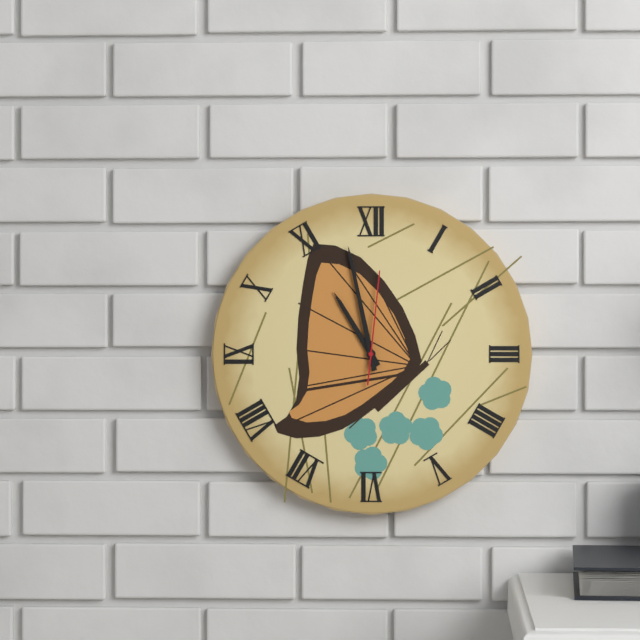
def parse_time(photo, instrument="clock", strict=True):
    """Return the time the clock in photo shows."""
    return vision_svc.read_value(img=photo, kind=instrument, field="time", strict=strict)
10:58:01
